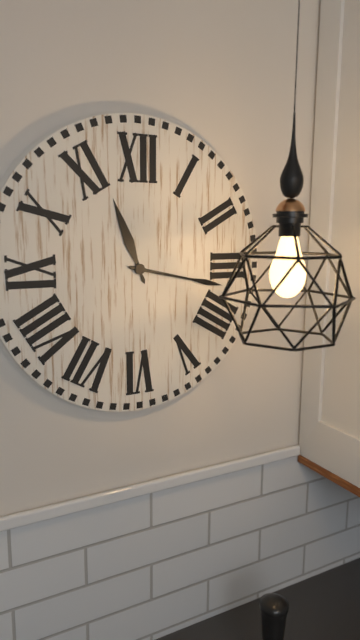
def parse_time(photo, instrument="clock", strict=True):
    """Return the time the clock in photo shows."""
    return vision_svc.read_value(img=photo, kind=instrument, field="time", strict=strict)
11:17
